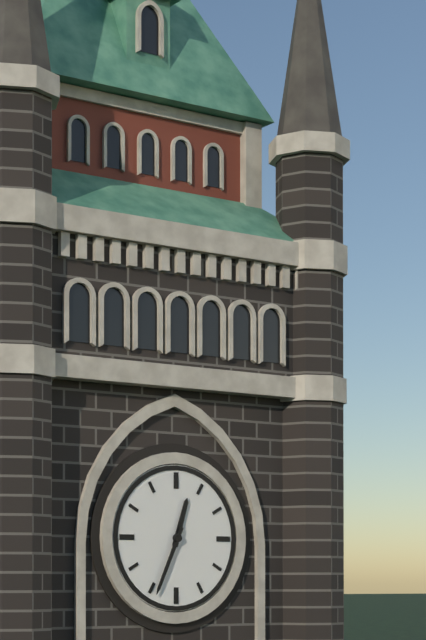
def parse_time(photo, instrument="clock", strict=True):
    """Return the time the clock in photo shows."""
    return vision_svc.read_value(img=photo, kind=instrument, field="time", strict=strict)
12:34
